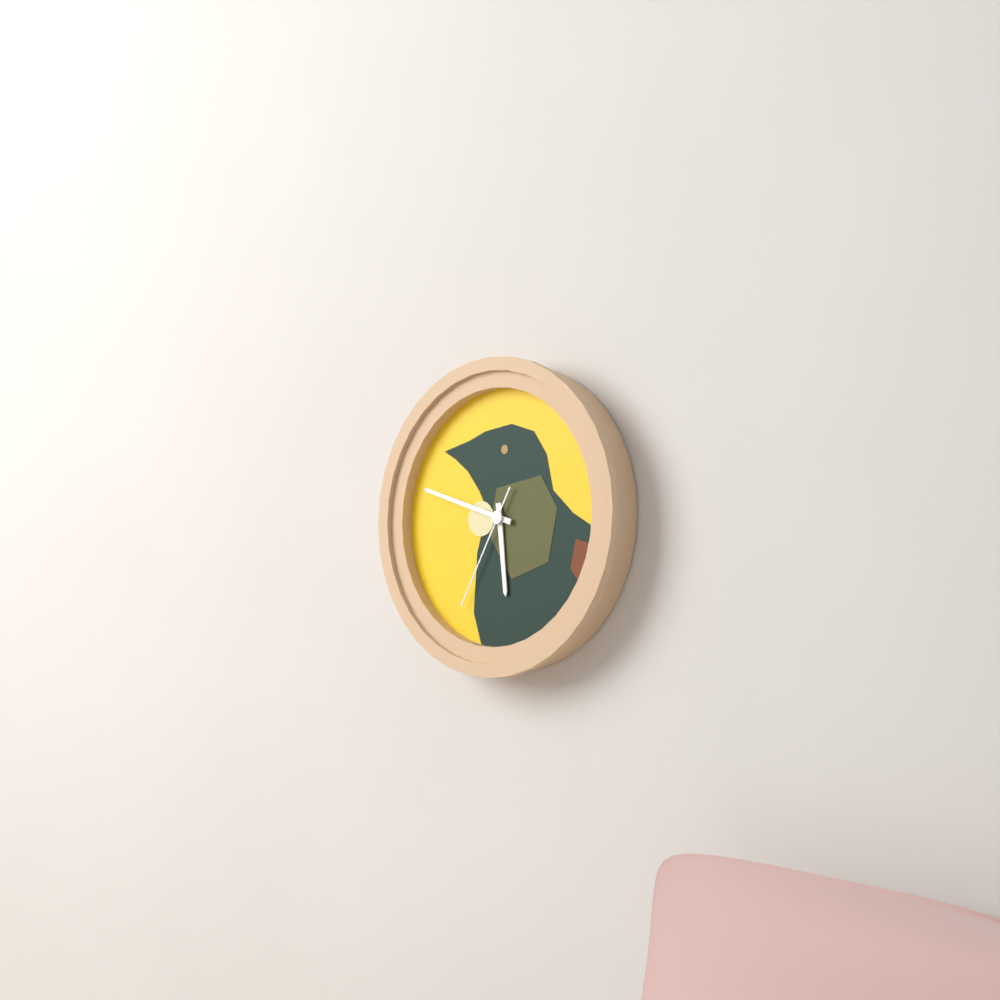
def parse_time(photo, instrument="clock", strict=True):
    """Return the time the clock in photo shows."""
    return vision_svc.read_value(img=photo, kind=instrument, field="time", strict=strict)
5:48:35
